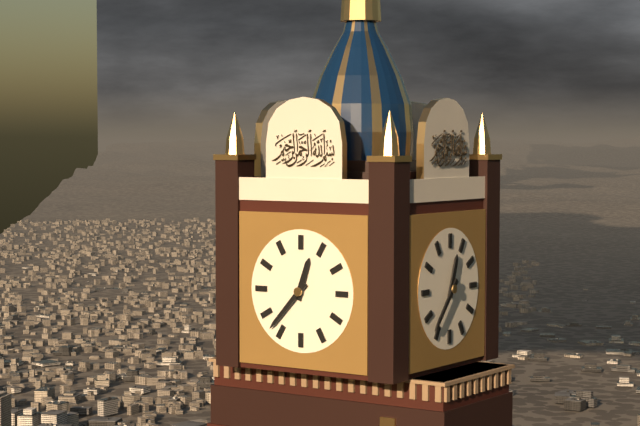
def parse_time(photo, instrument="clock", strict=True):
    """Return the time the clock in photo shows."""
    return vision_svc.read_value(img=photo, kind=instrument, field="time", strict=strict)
12:37
